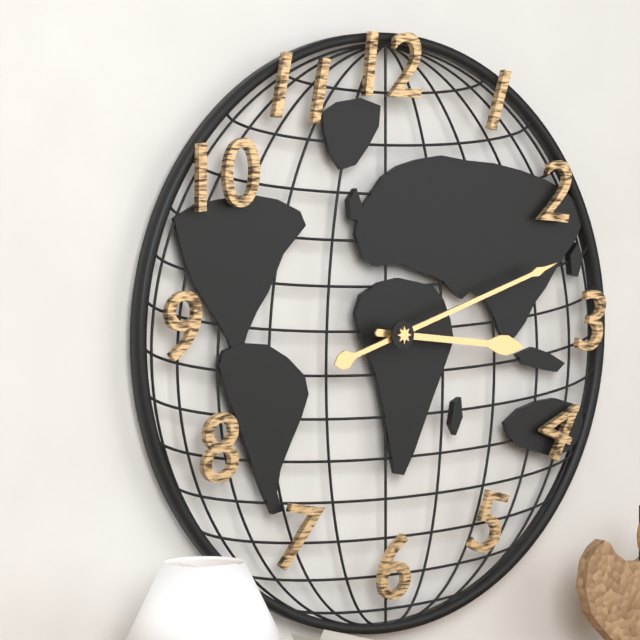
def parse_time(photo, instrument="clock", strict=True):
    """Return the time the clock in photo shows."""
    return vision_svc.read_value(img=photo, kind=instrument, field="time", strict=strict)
3:12
